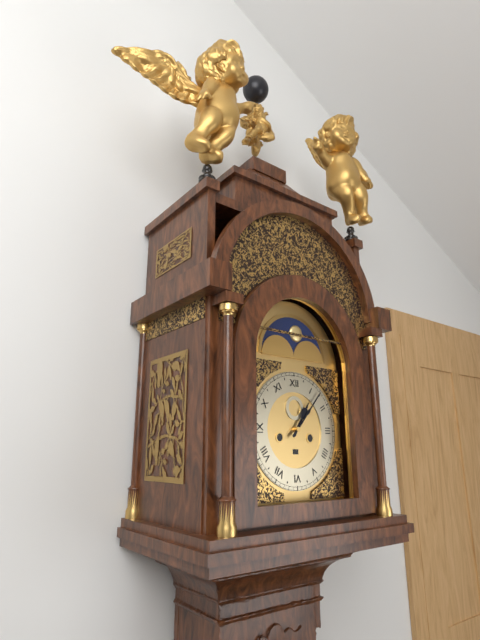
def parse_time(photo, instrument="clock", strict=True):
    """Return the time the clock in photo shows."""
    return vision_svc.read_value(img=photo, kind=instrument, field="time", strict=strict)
1:07
